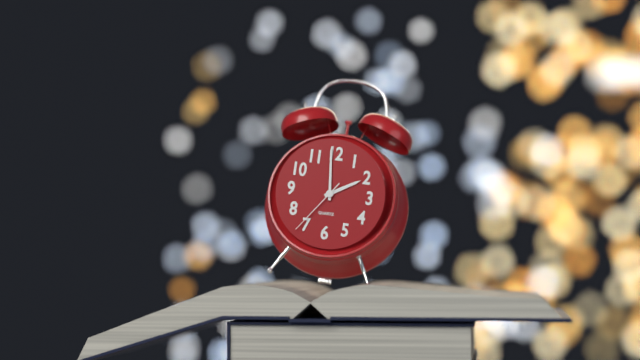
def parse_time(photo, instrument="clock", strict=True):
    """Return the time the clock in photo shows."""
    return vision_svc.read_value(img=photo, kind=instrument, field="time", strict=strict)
1:59:36
